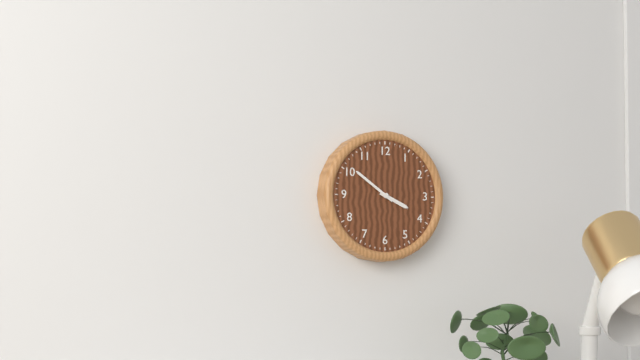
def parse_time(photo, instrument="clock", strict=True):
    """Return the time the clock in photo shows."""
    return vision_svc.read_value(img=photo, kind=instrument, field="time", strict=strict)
3:51
